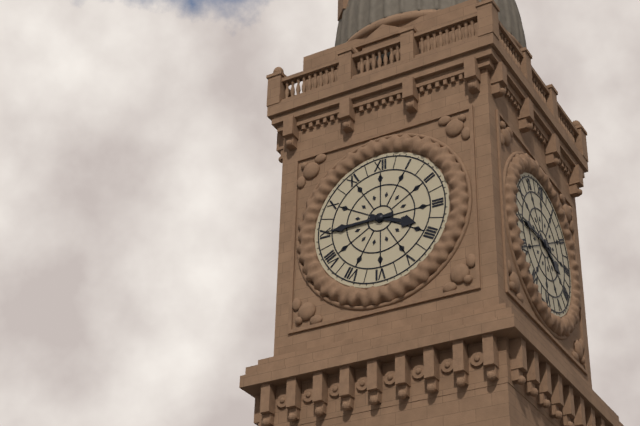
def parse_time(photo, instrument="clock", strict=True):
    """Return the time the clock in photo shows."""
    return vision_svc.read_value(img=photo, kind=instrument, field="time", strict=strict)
3:45
